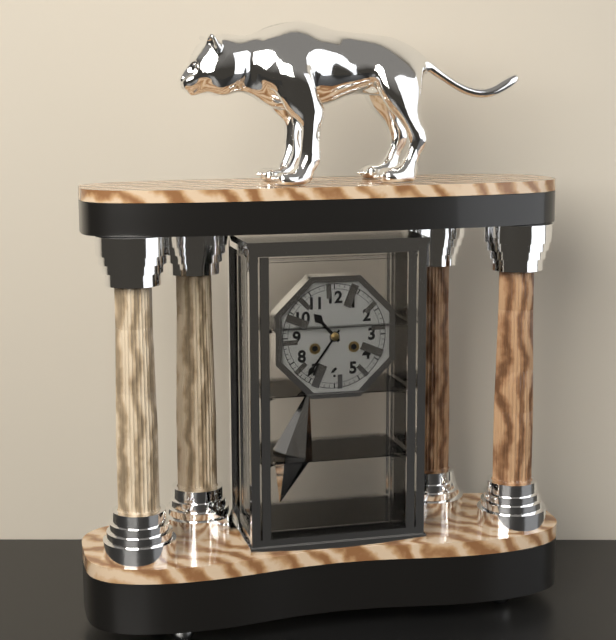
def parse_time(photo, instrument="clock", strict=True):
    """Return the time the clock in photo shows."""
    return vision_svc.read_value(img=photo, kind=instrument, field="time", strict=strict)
10:36
